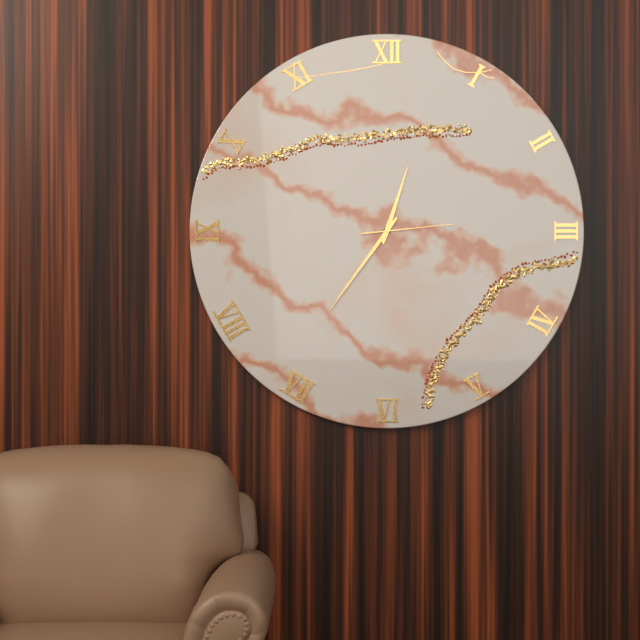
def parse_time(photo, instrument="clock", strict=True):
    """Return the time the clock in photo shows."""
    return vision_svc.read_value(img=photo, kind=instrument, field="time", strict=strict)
12:36:14
